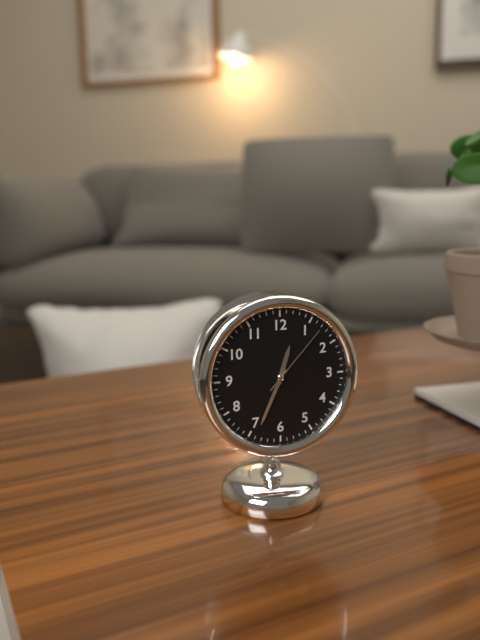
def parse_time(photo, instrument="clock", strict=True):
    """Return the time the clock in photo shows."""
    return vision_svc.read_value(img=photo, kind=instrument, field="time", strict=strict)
12:34:07
